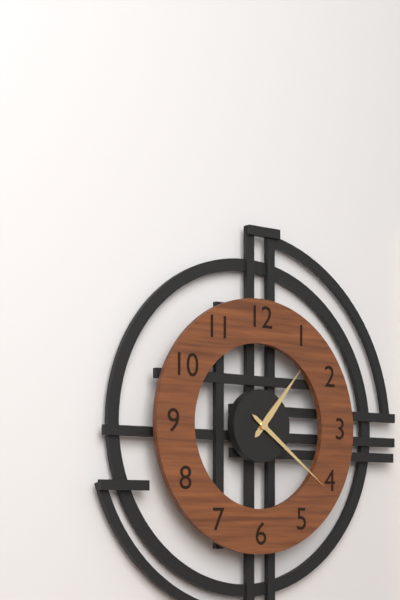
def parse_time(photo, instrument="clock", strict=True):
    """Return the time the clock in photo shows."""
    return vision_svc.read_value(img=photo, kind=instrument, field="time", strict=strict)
1:21
